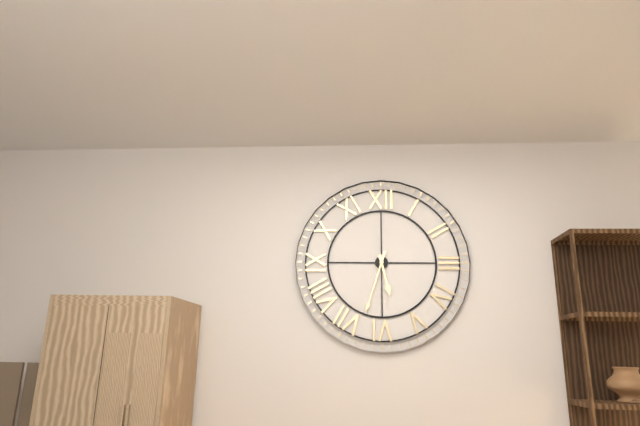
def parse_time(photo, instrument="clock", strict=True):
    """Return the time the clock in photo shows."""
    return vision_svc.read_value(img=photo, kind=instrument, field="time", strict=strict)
5:33
